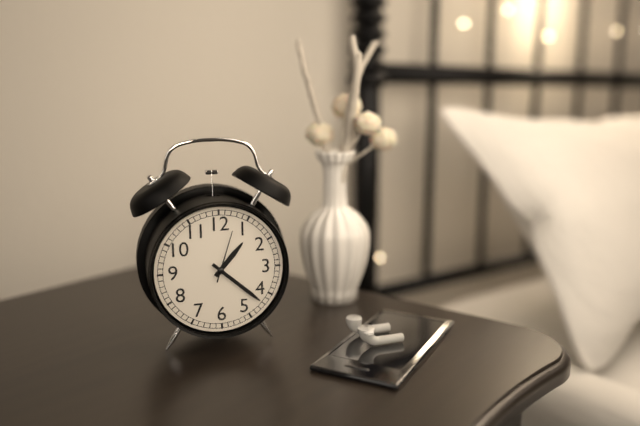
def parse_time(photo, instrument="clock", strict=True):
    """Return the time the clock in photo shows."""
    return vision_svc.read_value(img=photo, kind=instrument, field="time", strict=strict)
1:22:03
